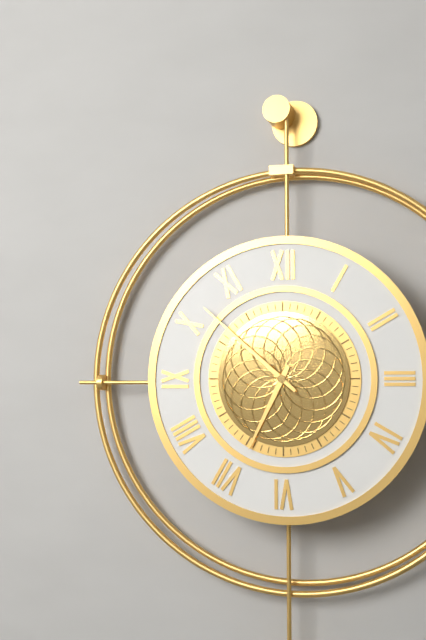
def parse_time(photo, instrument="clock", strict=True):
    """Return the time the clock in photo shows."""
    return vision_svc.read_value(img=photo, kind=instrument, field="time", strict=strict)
6:52
